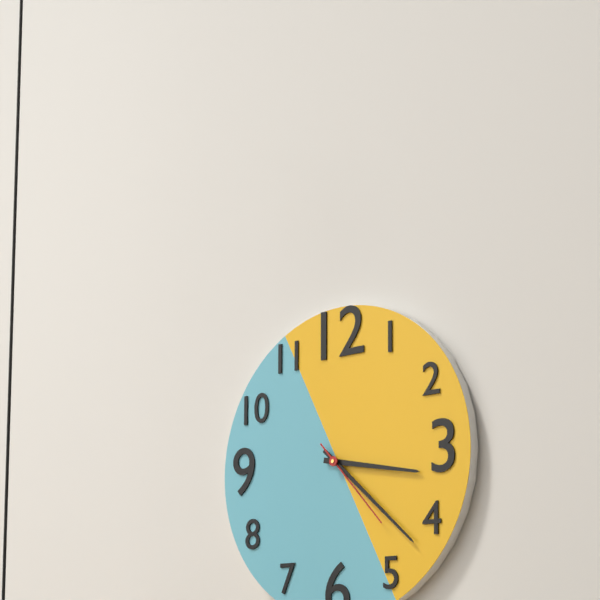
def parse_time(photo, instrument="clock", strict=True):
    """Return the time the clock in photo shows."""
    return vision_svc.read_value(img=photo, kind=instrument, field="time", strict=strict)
3:22:23
